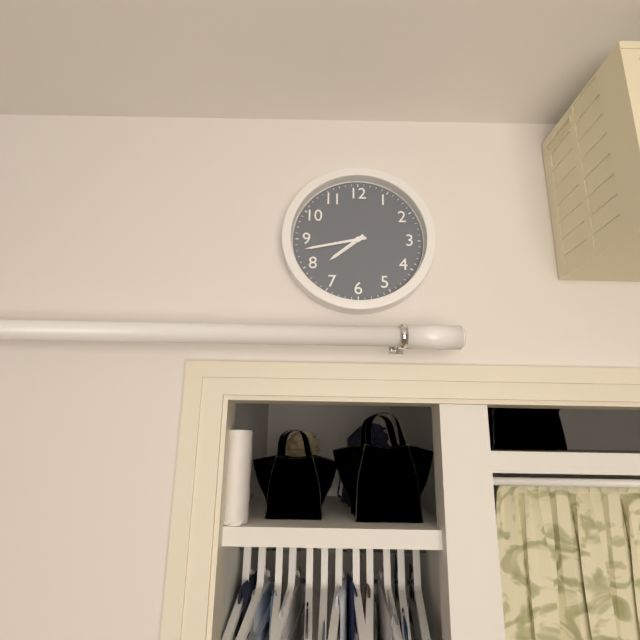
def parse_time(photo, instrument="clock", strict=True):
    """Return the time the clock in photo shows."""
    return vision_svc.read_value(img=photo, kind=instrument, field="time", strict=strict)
7:43
